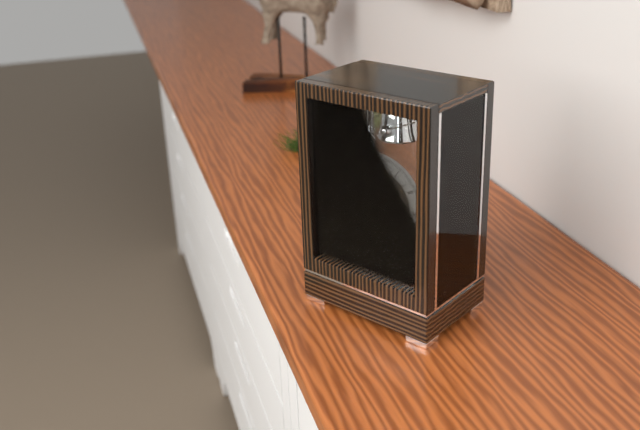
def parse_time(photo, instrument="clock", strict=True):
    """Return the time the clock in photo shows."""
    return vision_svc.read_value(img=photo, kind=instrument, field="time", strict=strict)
4:08
